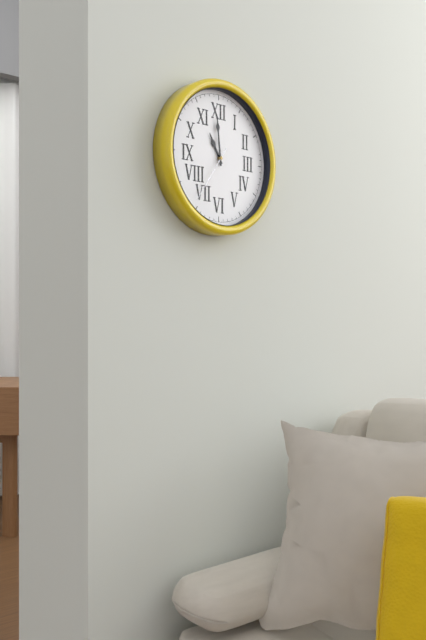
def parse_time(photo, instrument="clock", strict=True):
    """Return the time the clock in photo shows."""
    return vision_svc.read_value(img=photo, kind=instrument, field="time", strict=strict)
10:59:36
